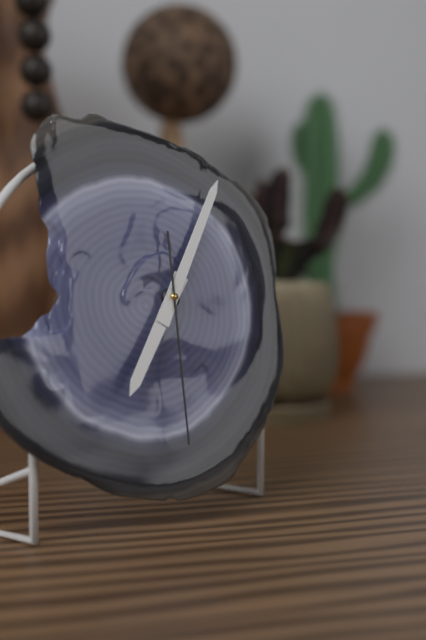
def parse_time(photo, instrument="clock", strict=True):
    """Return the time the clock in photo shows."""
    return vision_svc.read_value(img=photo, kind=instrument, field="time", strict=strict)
7:05:30
